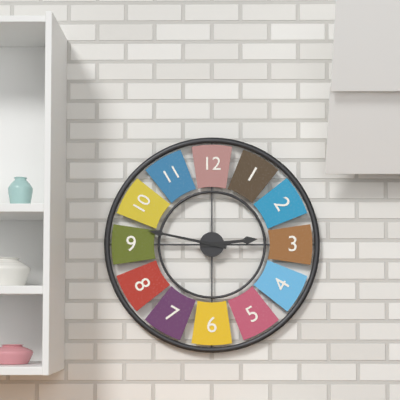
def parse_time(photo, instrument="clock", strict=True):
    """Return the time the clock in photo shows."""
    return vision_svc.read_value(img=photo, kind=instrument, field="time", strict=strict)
2:47
